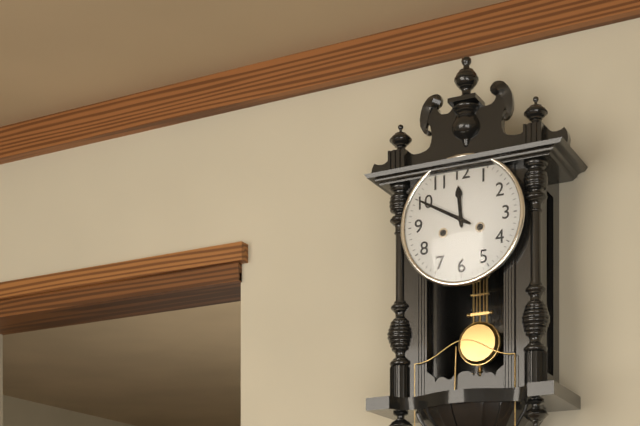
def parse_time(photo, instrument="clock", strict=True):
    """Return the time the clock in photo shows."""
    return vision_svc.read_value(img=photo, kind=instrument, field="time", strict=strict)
11:50
